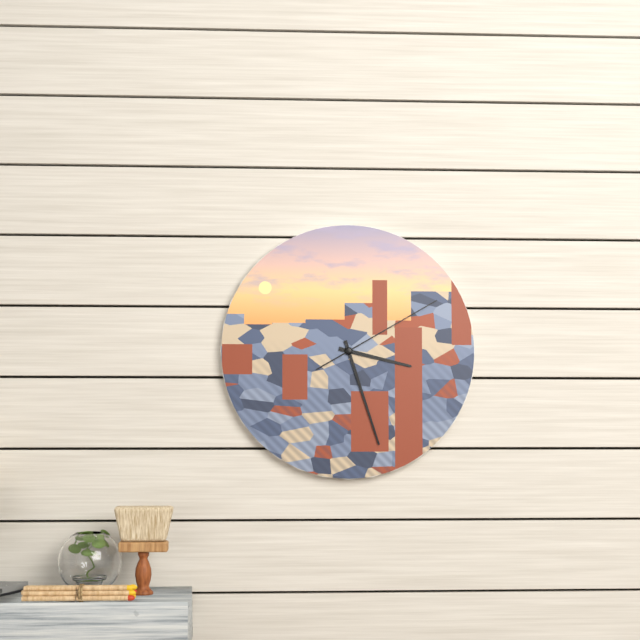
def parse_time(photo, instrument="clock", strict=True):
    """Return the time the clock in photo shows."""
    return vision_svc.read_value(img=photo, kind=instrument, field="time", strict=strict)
3:27:10
